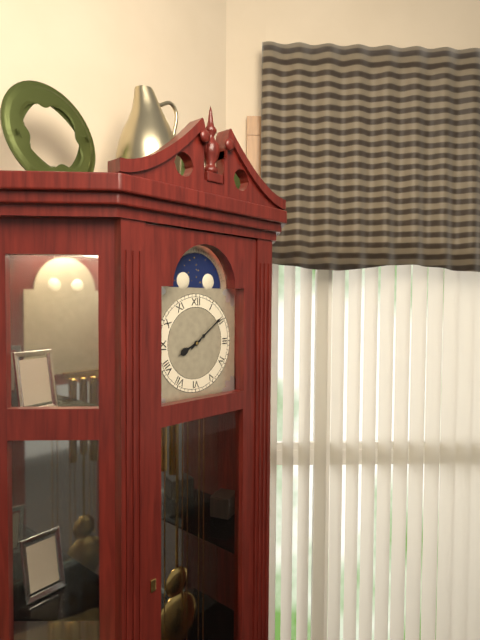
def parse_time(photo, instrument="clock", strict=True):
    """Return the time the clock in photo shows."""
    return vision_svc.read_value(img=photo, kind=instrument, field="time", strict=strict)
8:09
